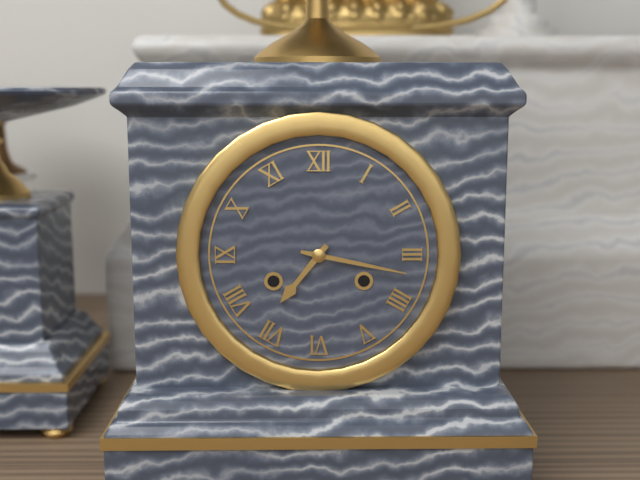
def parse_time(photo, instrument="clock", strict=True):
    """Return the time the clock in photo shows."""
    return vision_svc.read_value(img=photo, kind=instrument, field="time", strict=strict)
7:17
